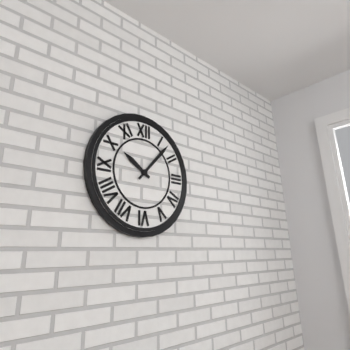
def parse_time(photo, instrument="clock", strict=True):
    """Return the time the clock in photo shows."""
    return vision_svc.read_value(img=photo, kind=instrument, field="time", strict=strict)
10:07
